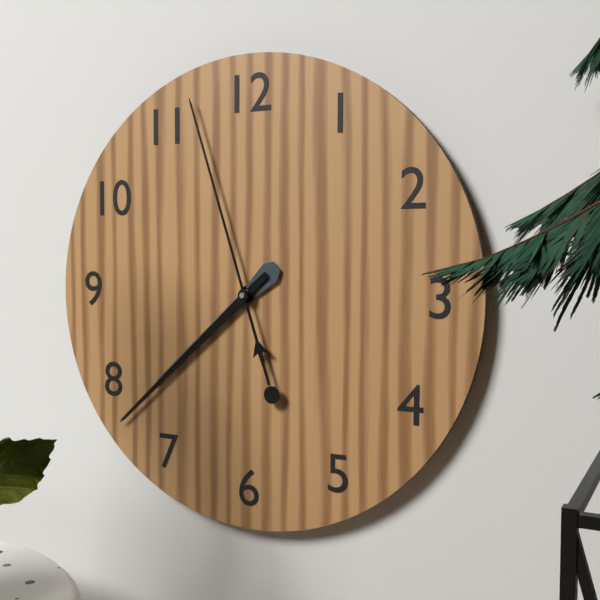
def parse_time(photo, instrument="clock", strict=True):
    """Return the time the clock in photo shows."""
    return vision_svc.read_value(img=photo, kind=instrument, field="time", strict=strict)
7:38:57
